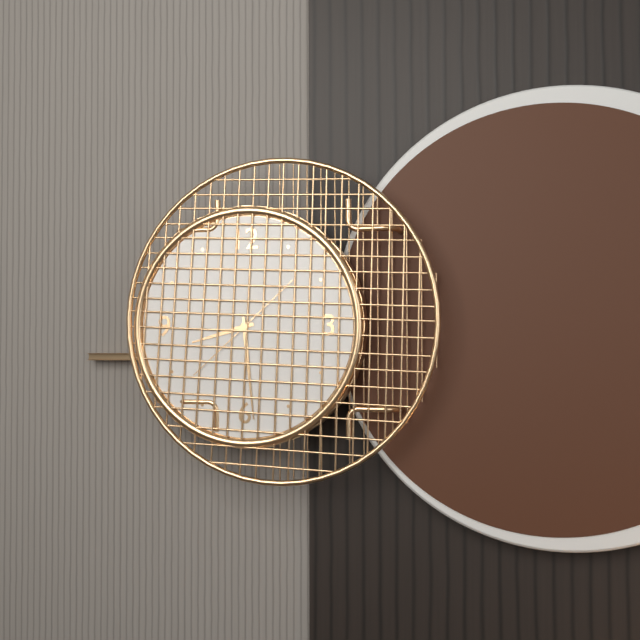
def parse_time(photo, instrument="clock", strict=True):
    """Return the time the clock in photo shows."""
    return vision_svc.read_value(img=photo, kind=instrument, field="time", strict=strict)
8:29:38
